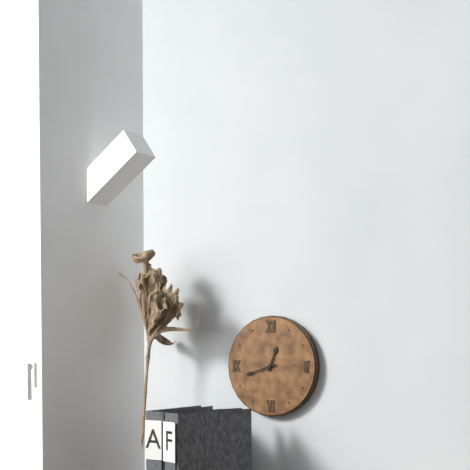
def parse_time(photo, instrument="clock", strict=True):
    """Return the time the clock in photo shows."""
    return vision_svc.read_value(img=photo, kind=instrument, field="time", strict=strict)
12:42
